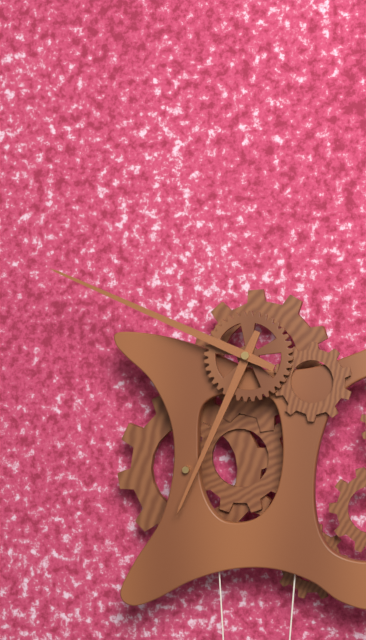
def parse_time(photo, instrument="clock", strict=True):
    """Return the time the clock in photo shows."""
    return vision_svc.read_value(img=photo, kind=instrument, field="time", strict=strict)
6:49
